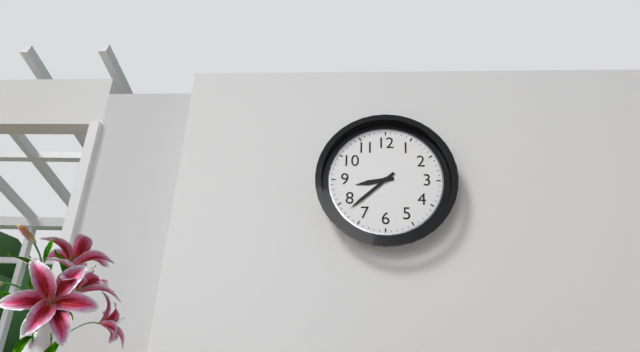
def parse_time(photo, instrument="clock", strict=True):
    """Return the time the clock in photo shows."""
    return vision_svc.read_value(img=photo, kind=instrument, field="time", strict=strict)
8:38
